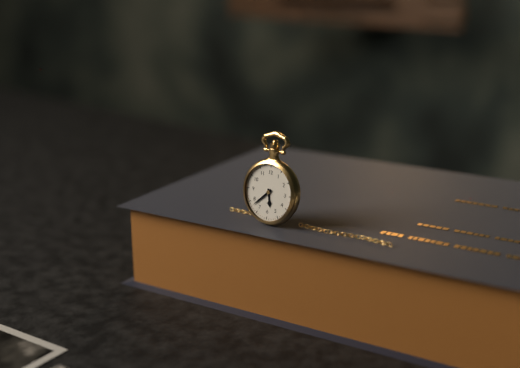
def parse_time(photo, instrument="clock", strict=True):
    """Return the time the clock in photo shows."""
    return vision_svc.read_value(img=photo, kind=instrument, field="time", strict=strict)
5:38
